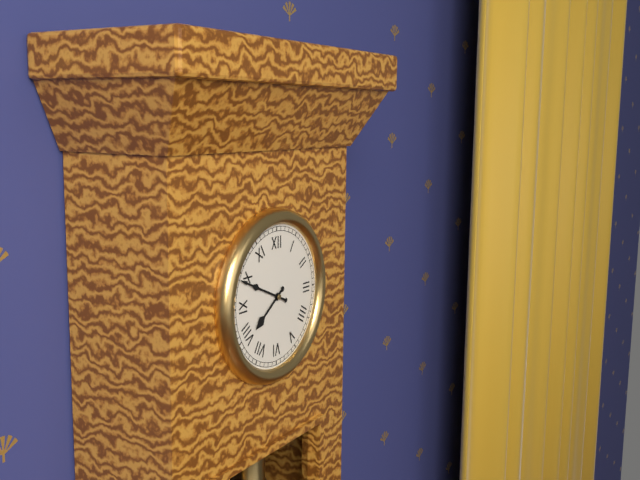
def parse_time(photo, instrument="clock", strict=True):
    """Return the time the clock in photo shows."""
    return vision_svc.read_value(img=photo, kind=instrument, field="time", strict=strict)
7:49
